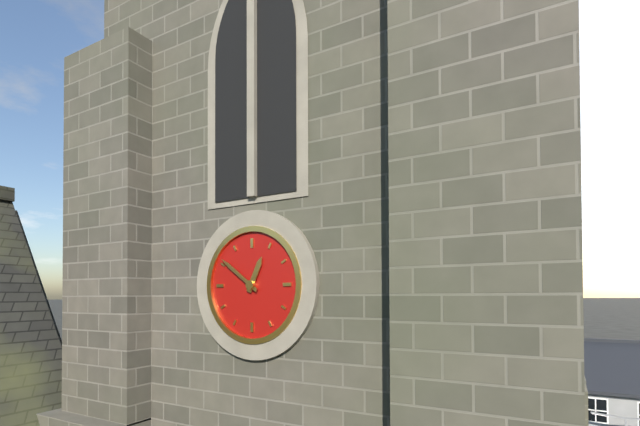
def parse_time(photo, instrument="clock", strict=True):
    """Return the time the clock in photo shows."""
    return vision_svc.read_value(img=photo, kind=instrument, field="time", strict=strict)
12:51
